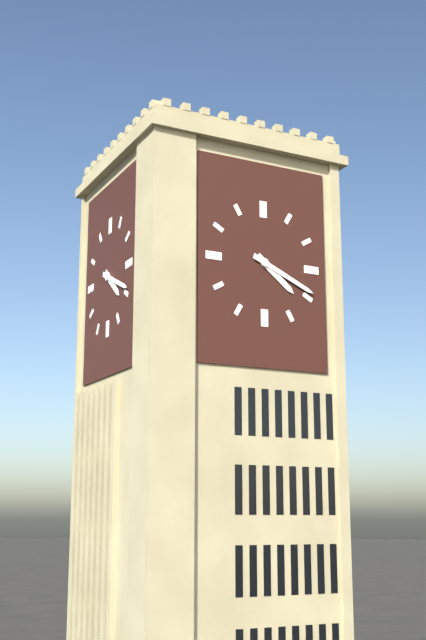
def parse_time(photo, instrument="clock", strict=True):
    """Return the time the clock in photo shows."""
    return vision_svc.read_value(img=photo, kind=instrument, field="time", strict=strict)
4:19
